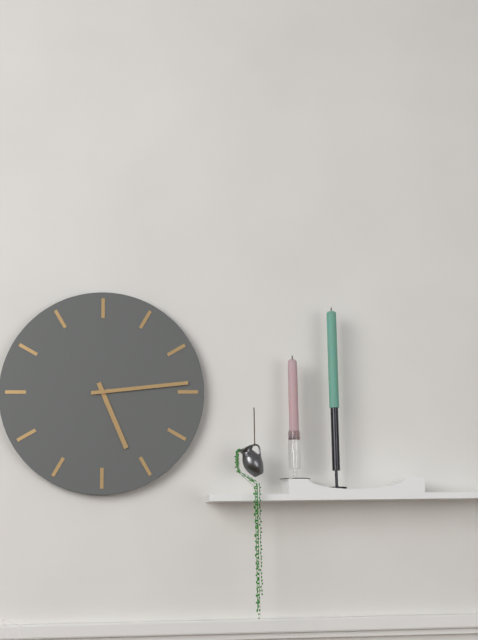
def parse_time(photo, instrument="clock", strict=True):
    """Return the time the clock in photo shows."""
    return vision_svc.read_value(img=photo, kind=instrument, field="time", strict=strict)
5:14
